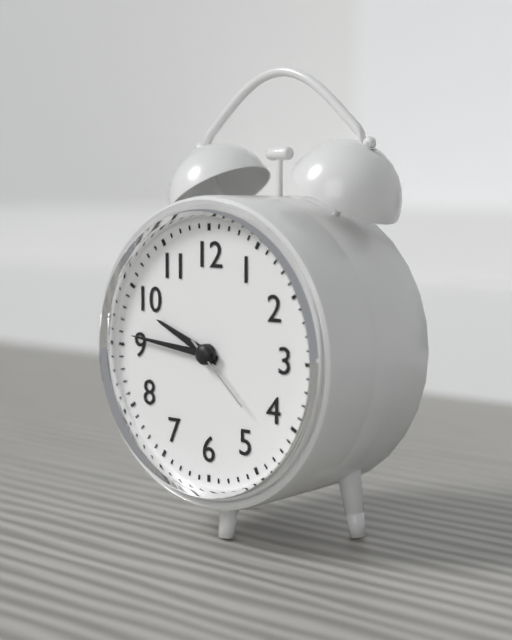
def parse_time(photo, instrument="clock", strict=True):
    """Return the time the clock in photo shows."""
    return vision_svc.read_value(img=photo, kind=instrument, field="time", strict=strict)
9:46:22
